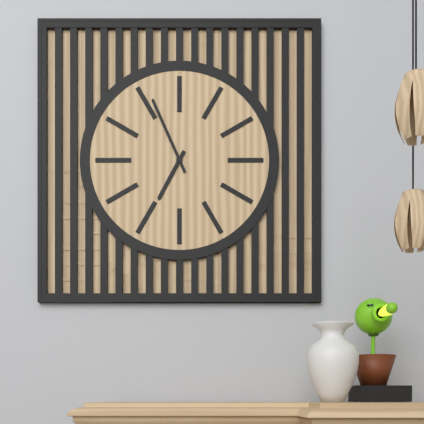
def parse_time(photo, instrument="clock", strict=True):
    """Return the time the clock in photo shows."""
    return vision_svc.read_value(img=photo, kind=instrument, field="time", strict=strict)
6:56
